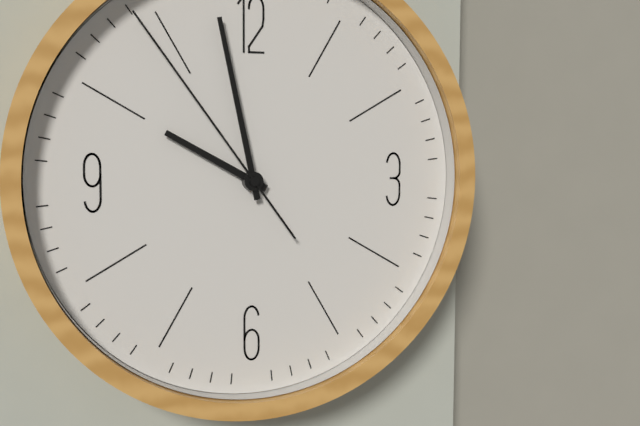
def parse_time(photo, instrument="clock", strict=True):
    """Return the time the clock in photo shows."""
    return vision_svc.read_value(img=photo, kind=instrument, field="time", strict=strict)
9:58:54
